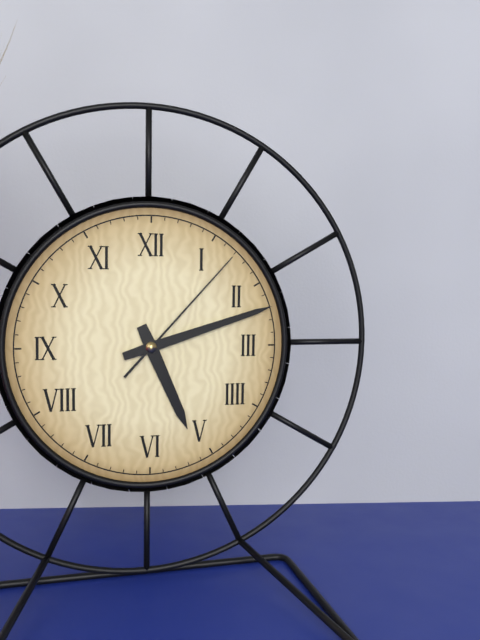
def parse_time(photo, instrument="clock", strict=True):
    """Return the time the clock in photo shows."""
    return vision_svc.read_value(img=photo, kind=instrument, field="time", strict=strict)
5:12:07
